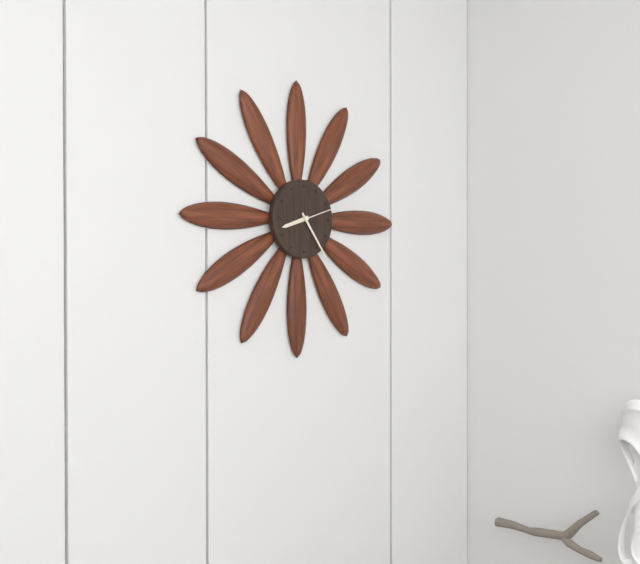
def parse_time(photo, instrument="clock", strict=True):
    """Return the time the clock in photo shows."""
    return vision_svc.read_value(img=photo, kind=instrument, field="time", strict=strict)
8:24:12
